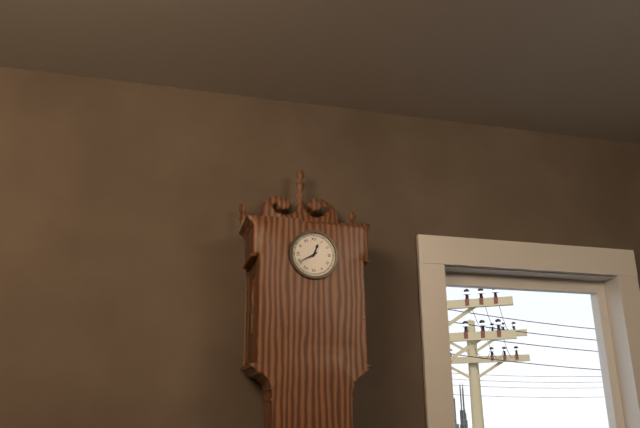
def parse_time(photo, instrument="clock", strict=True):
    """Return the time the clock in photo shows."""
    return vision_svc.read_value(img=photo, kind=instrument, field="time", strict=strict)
12:40
